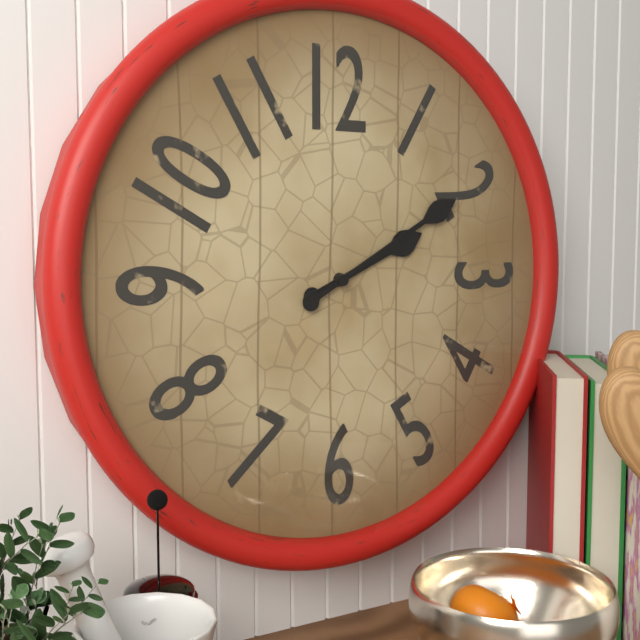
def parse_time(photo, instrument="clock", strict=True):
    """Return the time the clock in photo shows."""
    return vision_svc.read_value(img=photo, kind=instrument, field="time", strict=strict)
2:10
